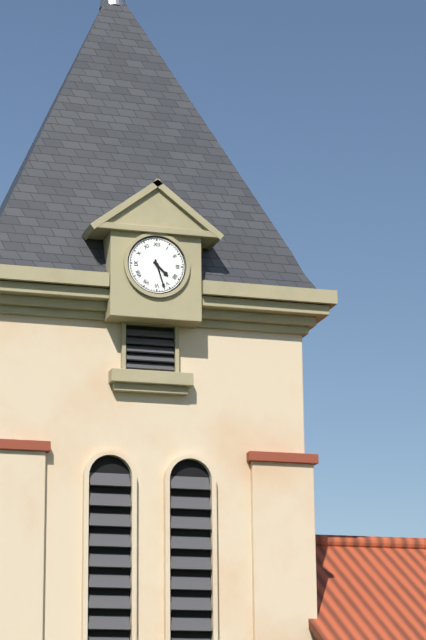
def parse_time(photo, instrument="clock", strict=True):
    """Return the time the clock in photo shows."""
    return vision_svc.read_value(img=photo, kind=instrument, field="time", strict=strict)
4:27
